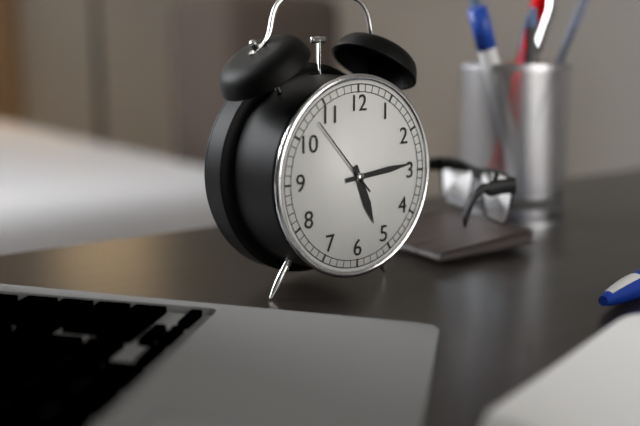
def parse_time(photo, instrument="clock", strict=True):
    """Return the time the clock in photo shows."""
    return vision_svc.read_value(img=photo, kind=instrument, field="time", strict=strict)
5:14:53
